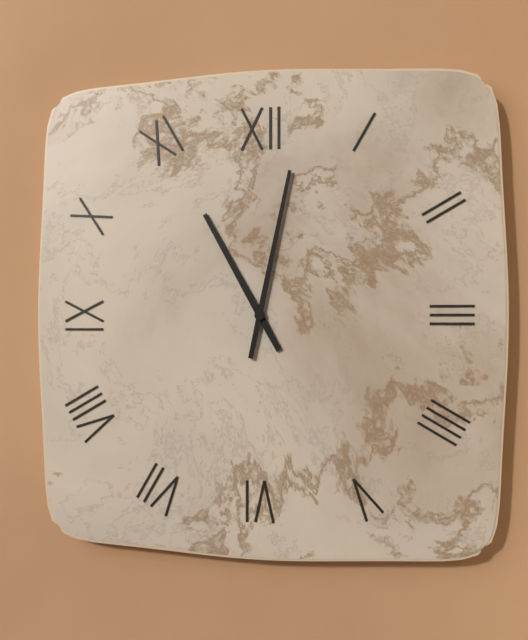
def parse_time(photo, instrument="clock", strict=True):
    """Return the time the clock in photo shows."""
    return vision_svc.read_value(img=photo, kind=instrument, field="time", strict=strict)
11:02
